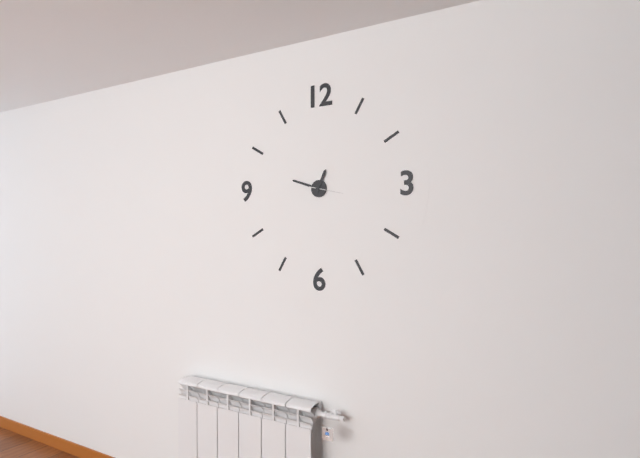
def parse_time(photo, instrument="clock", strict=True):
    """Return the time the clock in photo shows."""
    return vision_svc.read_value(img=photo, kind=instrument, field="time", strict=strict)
12:48
